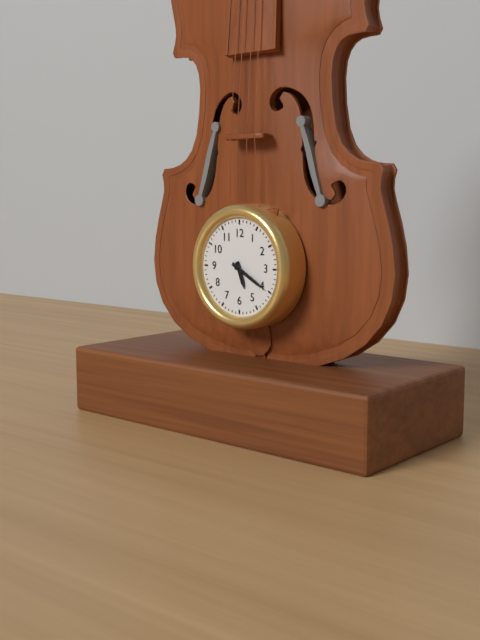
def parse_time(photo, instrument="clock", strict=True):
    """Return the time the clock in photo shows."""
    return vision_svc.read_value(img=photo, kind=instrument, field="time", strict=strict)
5:20
